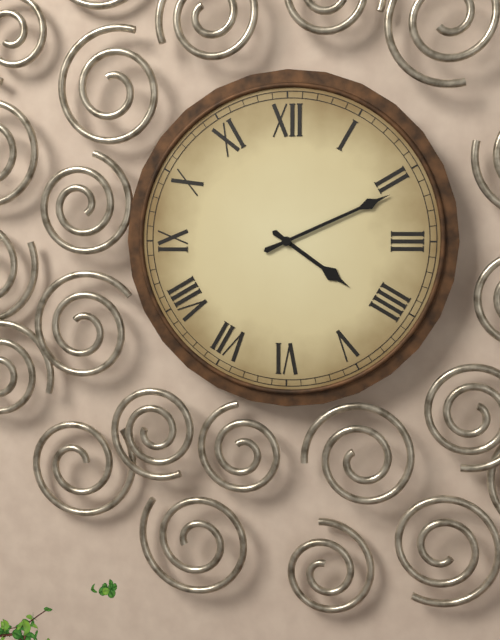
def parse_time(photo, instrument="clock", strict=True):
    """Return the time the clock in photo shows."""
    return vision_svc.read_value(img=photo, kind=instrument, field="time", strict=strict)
4:11
